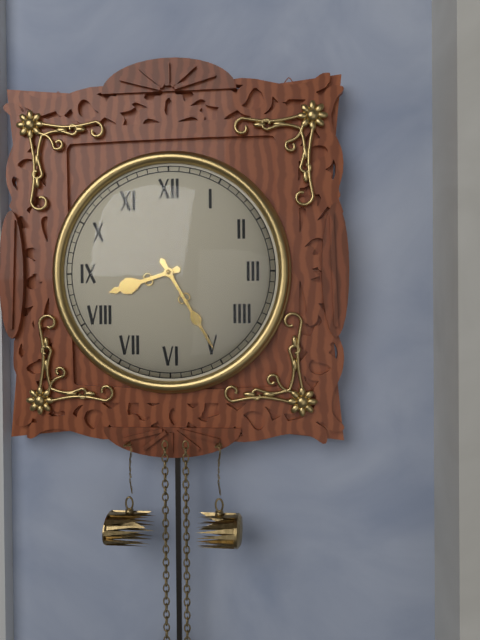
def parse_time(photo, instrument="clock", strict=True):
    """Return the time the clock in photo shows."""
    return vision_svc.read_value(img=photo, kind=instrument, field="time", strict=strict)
8:25
